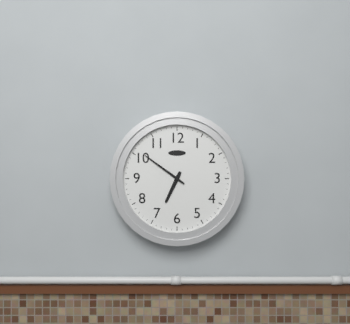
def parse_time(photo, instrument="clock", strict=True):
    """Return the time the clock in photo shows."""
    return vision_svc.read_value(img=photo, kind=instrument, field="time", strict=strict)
6:51
